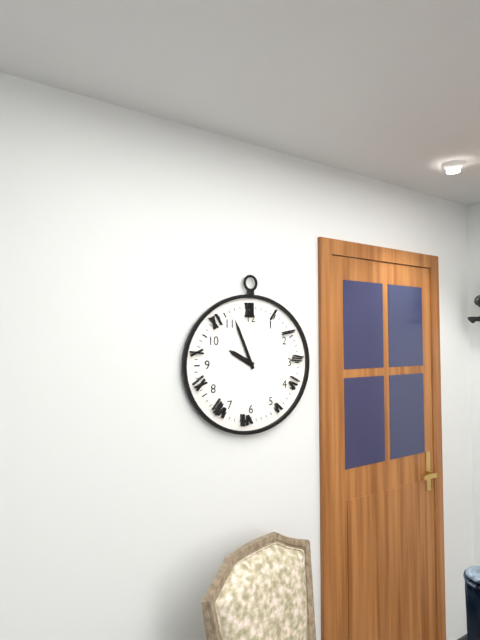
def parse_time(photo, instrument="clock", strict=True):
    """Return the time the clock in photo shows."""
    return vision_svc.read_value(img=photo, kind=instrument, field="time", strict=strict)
9:56
